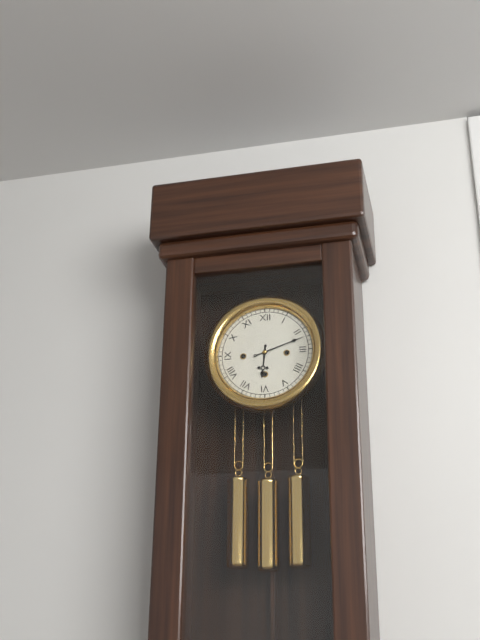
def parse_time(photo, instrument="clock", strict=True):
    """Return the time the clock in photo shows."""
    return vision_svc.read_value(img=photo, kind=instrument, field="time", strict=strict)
6:12
